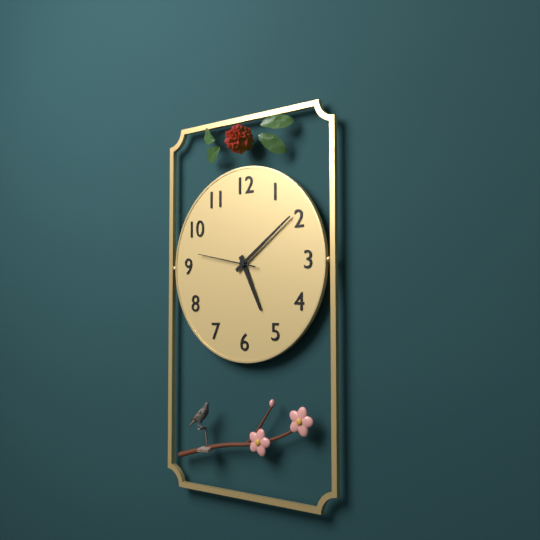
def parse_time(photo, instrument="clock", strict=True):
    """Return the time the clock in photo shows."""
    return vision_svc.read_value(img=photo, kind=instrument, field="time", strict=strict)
5:09:47
